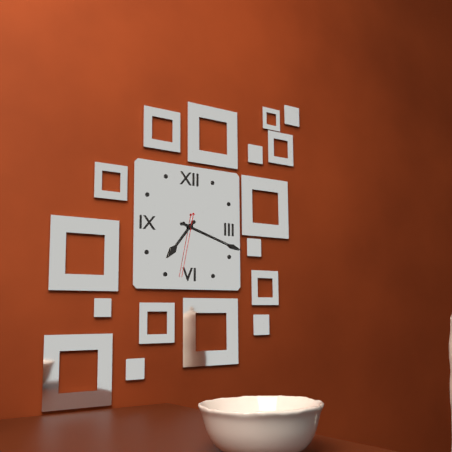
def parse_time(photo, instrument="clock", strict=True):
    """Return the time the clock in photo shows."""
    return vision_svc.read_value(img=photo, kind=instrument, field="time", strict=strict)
7:18:32
